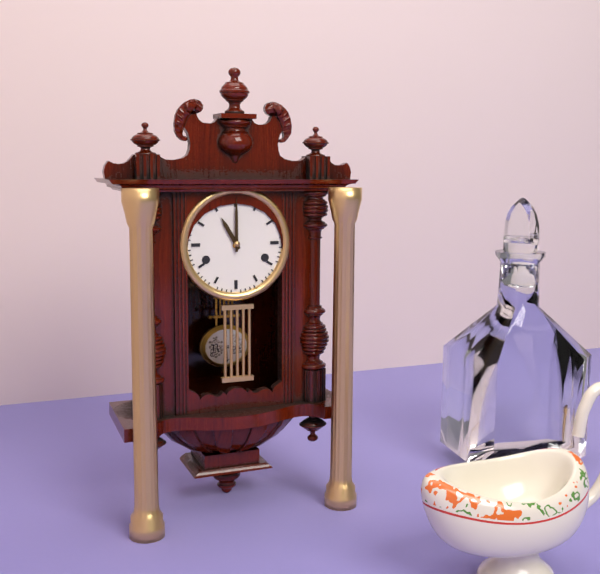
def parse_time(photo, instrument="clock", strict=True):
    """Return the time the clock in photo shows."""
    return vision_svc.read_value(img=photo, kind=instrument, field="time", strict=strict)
11:00
